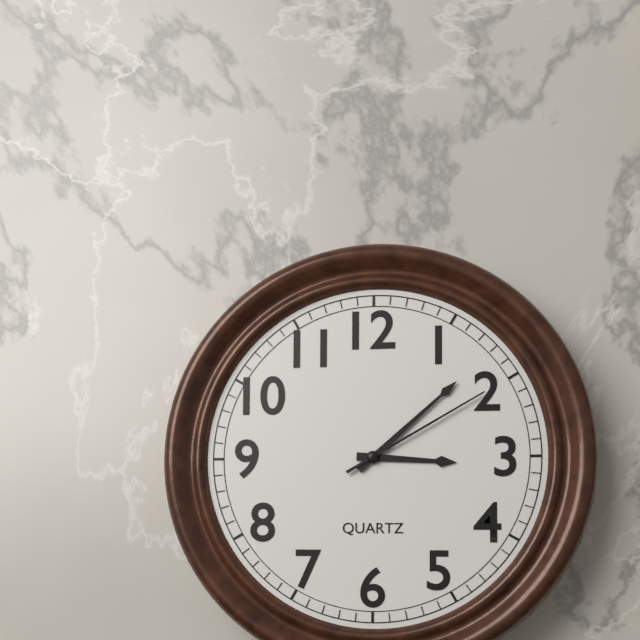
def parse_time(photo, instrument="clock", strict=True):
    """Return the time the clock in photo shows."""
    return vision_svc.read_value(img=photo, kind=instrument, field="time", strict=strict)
3:08:10
